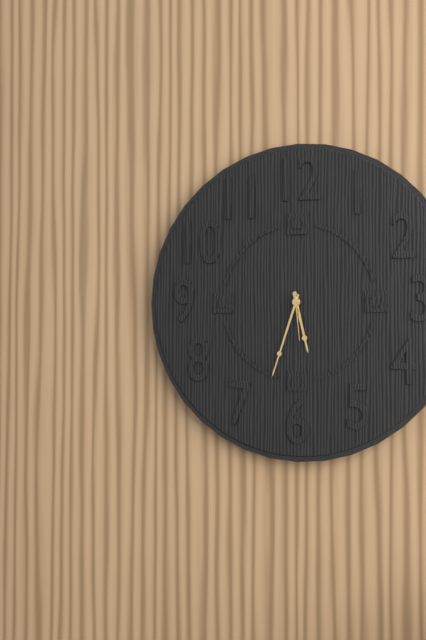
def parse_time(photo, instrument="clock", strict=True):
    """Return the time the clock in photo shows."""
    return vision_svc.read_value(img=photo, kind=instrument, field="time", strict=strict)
5:33:29
